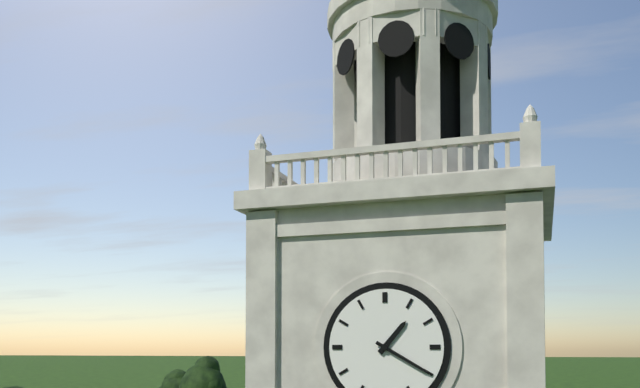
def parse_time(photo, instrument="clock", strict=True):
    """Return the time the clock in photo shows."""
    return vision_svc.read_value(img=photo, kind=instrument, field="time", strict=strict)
1:20
